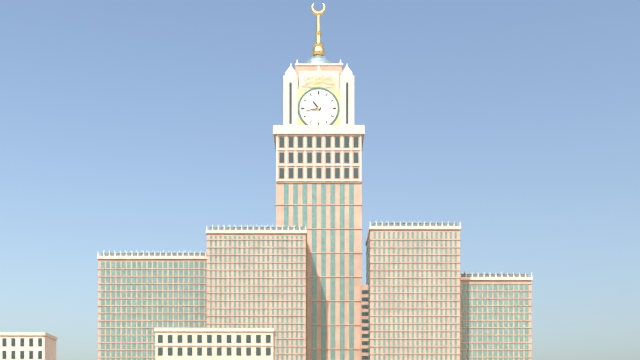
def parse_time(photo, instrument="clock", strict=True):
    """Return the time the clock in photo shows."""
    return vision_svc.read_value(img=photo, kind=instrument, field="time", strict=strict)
10:43
